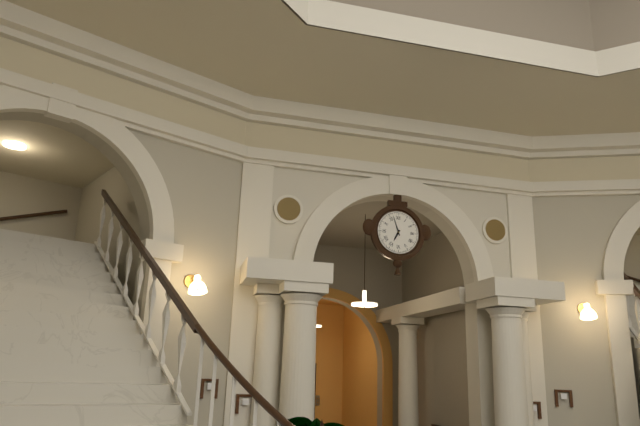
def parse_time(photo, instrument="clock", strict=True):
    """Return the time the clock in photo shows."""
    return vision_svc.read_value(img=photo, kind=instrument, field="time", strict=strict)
6:57
